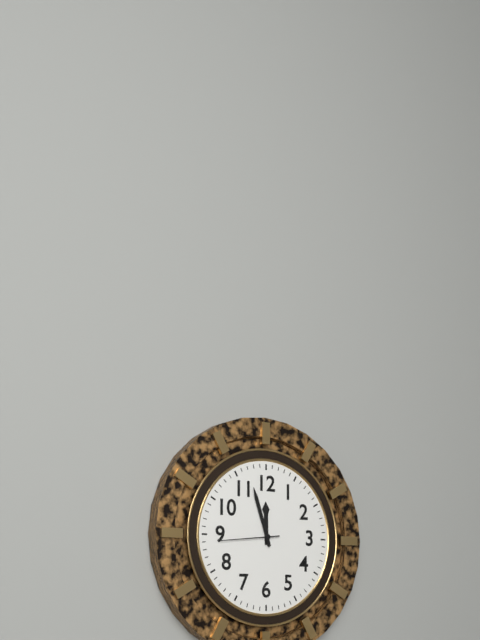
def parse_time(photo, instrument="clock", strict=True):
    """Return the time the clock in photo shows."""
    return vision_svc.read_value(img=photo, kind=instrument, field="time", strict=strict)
11:57:44
